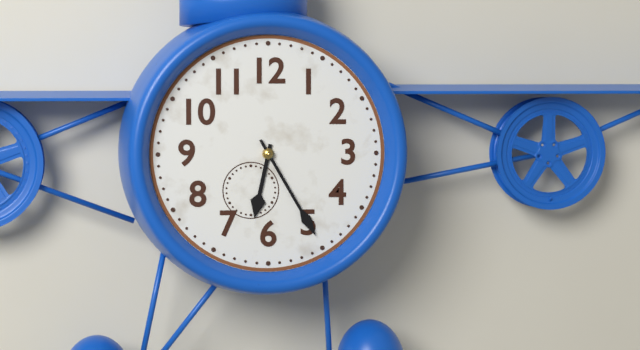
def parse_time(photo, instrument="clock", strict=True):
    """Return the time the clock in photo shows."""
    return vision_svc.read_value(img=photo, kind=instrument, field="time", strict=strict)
6:25
